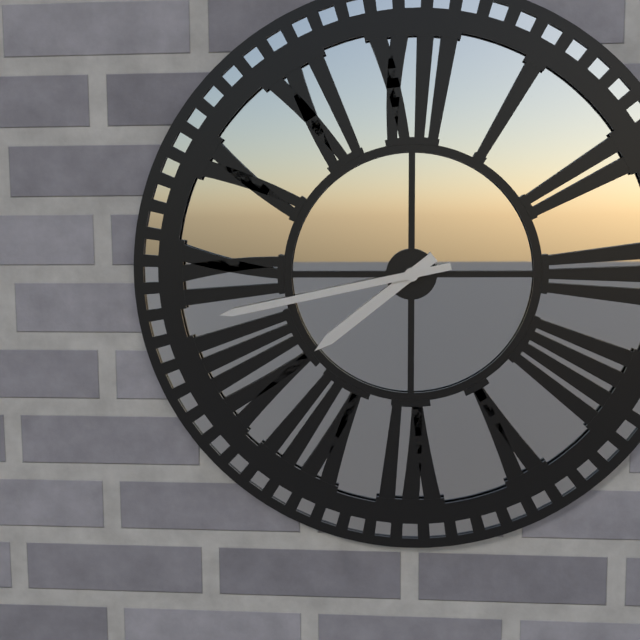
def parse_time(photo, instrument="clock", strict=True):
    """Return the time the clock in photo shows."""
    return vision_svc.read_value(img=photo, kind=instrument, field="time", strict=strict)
7:43
